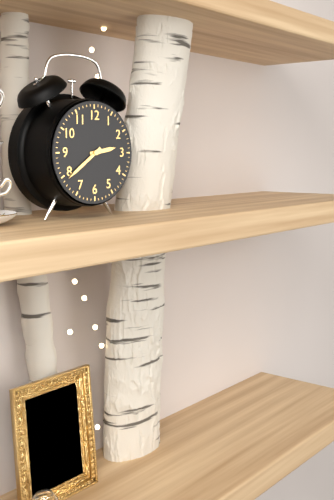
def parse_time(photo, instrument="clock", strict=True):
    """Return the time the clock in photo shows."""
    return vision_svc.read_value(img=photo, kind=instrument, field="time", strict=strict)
2:39
